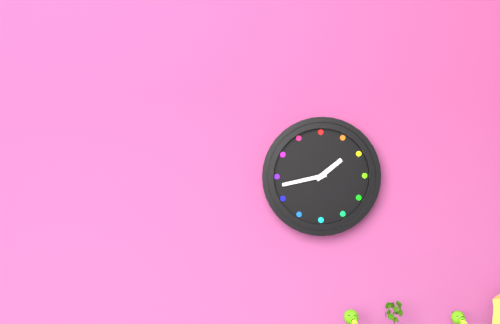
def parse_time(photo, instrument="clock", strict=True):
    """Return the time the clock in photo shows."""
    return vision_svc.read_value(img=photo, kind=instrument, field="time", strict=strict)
1:43
